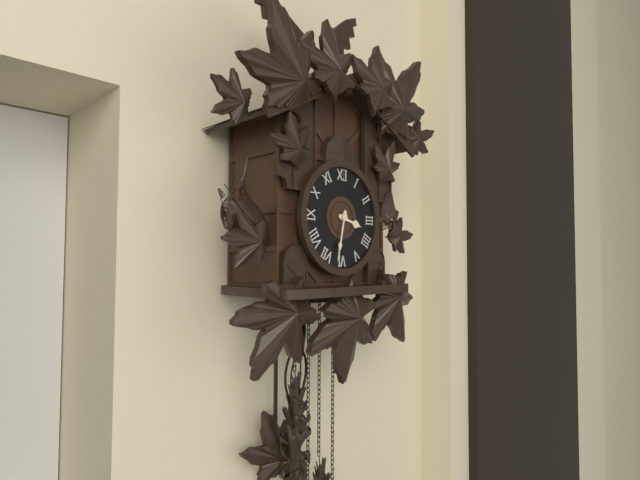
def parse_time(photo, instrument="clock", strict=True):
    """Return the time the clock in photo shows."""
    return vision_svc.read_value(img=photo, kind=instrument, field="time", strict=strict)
3:32
